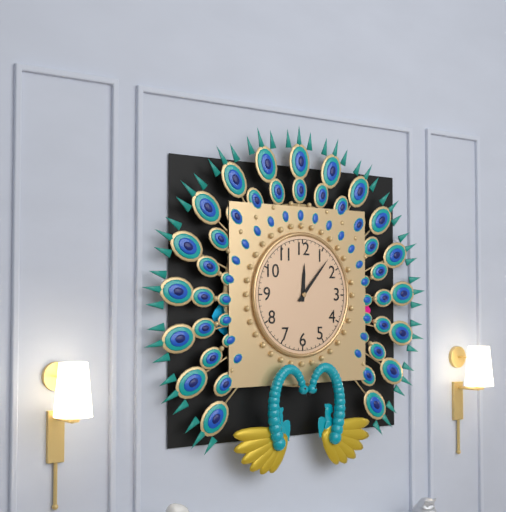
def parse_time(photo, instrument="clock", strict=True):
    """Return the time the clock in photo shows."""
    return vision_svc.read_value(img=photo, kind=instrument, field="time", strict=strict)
12:07
